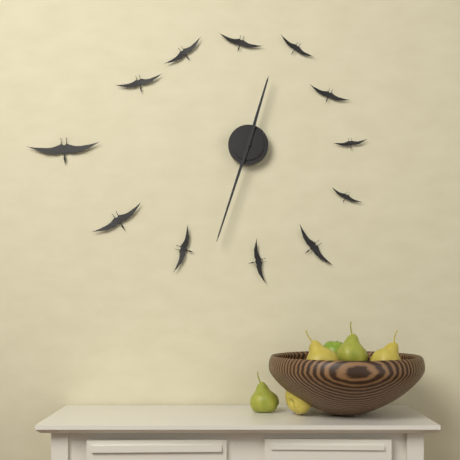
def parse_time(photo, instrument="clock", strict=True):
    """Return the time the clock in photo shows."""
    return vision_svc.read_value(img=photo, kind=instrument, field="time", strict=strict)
12:33
